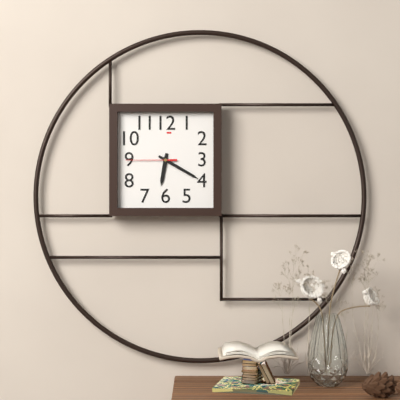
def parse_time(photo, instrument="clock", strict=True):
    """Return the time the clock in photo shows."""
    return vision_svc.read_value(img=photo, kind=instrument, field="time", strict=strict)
6:20:45
